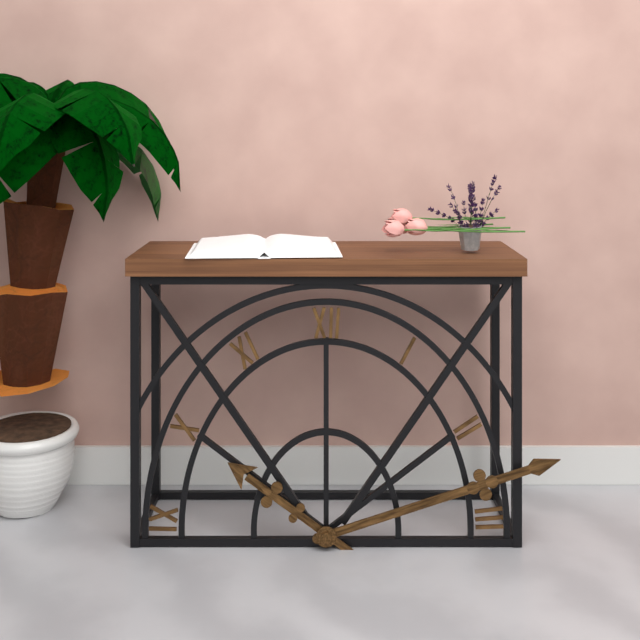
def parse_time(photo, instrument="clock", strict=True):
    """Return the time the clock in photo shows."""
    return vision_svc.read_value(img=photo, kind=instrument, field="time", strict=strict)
10:12
